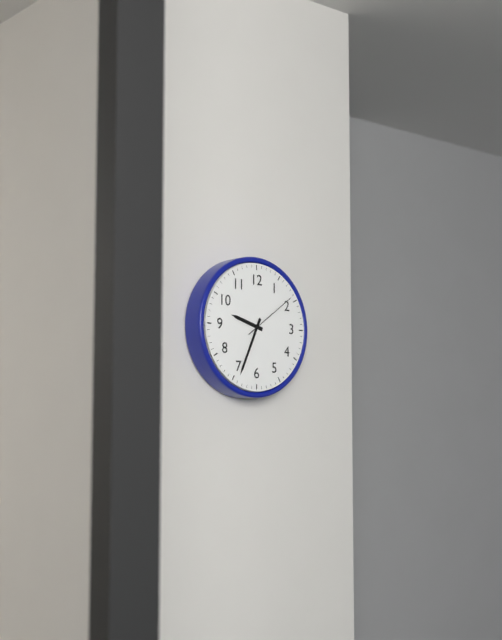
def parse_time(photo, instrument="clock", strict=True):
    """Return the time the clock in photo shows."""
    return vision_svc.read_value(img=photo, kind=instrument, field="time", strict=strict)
9:34:09
